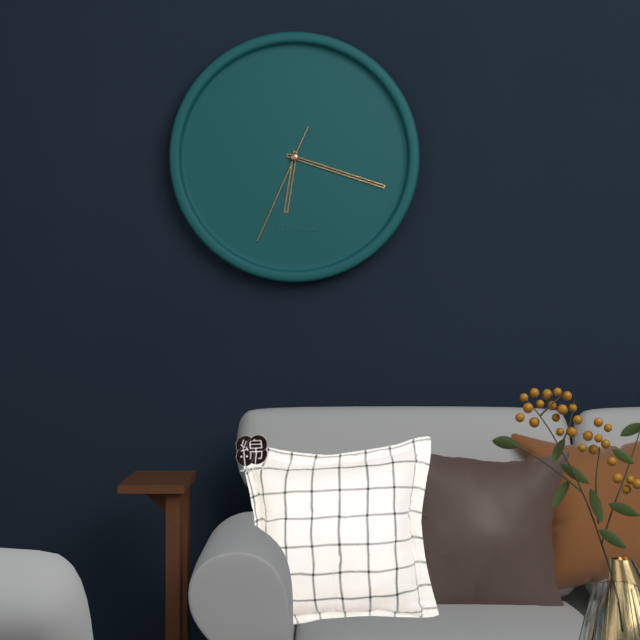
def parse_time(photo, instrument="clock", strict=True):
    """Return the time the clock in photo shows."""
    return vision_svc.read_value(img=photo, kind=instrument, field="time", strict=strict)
6:18:34
